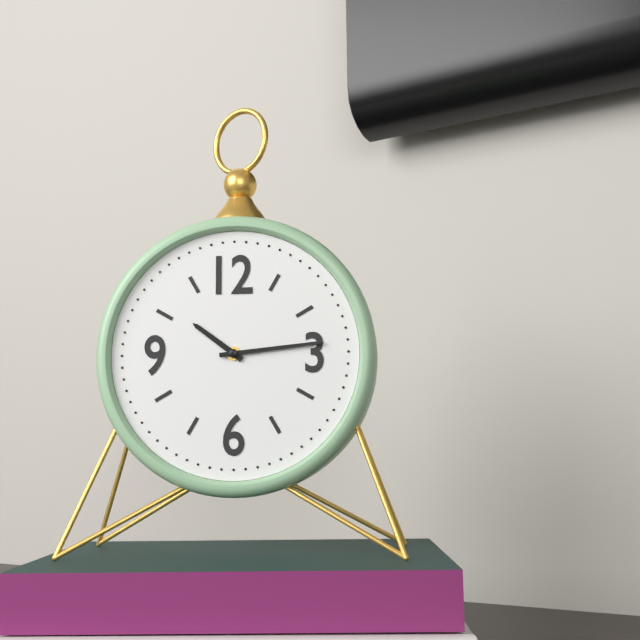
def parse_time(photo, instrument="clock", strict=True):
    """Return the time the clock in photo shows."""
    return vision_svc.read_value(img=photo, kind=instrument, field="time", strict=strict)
10:14
